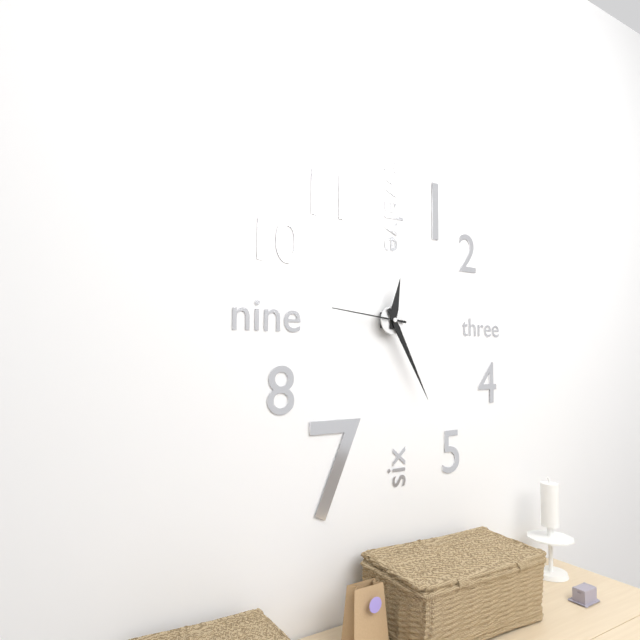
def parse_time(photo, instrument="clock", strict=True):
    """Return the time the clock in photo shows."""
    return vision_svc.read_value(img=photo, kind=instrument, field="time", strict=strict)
12:25:46
